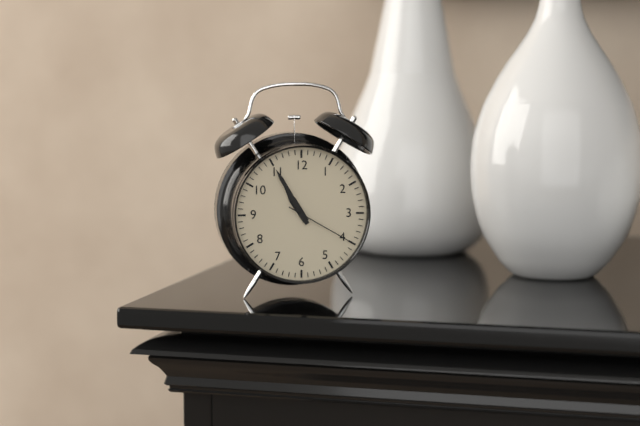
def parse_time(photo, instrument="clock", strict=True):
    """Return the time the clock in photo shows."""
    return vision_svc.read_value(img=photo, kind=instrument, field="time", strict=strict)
10:55:20
